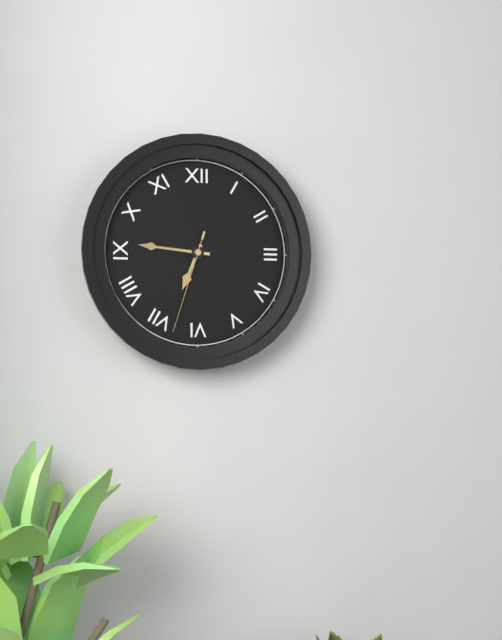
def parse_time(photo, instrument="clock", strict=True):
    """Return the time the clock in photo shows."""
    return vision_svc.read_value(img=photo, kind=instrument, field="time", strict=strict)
6:46:33
